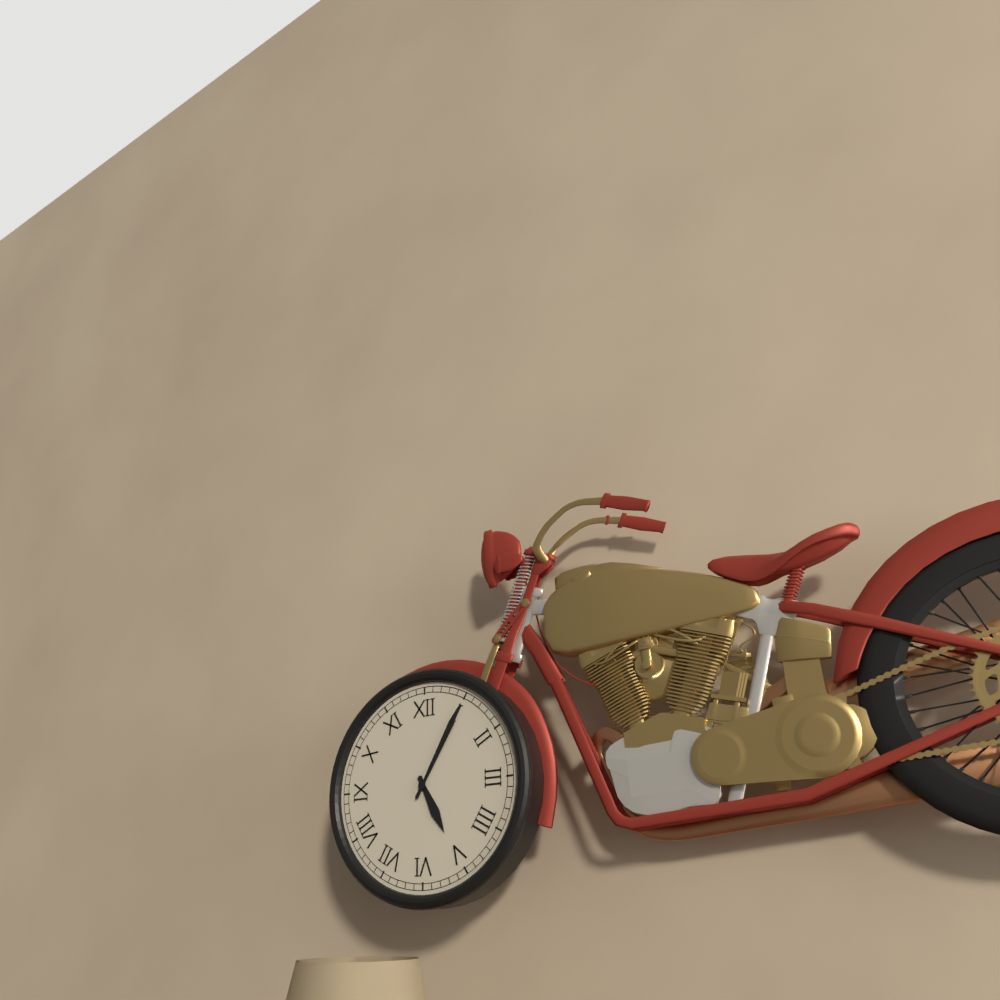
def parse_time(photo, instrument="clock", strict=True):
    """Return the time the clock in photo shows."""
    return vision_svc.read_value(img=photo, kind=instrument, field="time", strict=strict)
5:05
